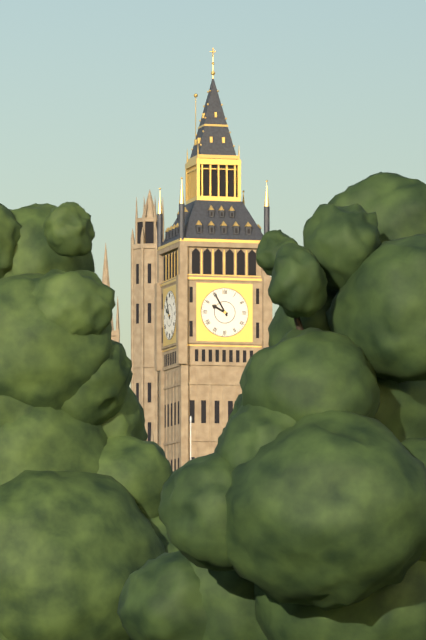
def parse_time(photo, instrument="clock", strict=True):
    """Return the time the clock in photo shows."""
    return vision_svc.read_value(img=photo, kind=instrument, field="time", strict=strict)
9:55
